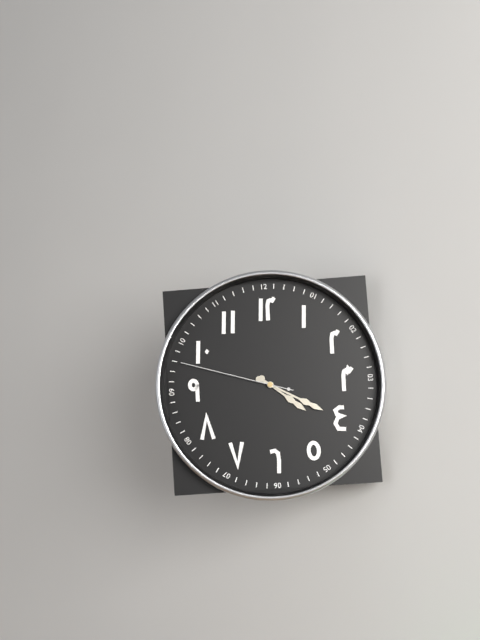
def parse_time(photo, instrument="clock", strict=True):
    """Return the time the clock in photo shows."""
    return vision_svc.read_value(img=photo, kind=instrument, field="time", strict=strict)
4:20:48
